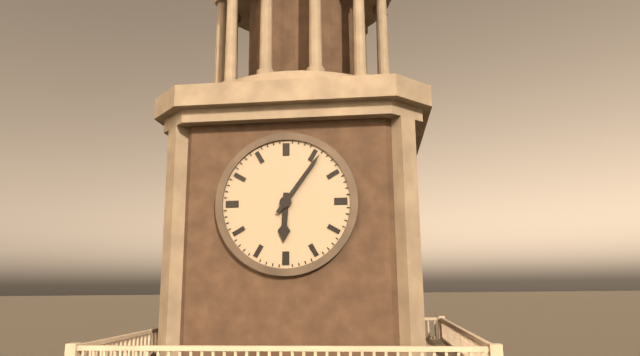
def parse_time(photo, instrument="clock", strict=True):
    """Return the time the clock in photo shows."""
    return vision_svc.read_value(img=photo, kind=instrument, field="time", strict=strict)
6:06
